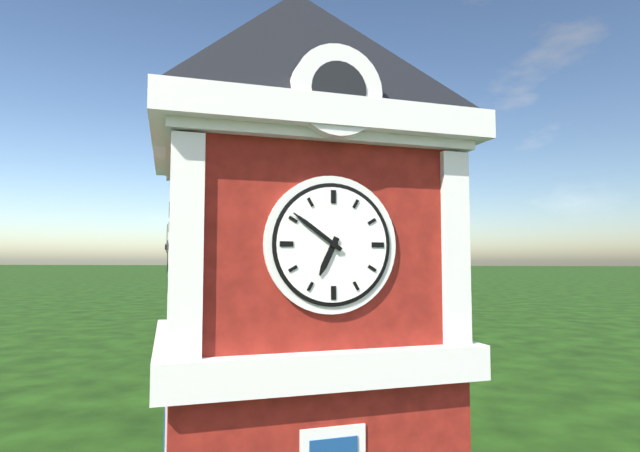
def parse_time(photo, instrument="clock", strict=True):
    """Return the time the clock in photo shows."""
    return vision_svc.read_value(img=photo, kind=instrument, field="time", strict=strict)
6:51
